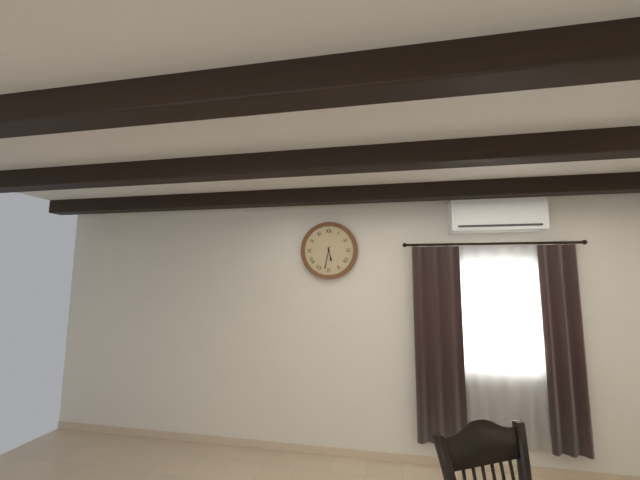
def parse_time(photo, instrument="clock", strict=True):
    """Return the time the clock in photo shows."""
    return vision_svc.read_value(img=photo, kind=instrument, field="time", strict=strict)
5:32
